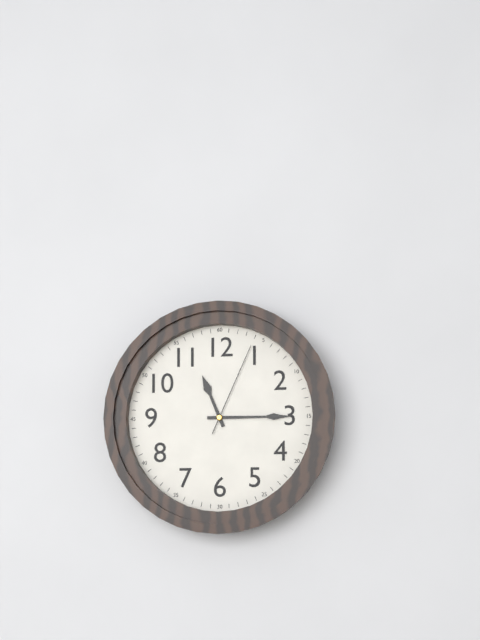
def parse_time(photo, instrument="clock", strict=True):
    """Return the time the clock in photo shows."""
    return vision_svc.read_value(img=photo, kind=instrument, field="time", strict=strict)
11:15:04
